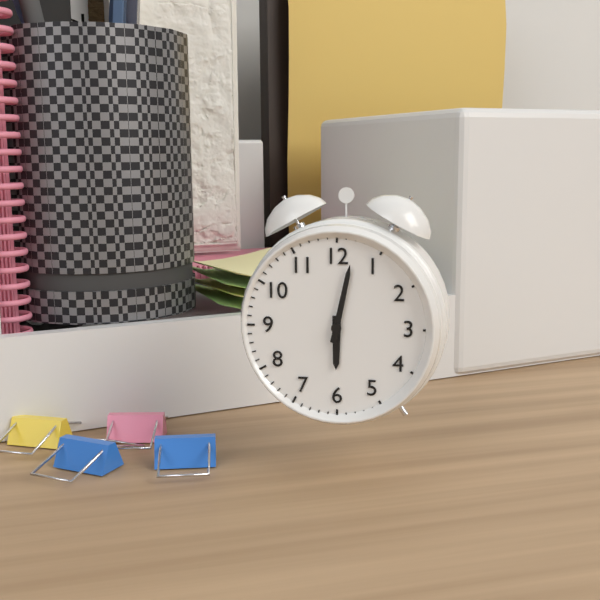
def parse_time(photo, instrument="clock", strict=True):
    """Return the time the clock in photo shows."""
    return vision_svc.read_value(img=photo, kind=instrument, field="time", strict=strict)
6:02
